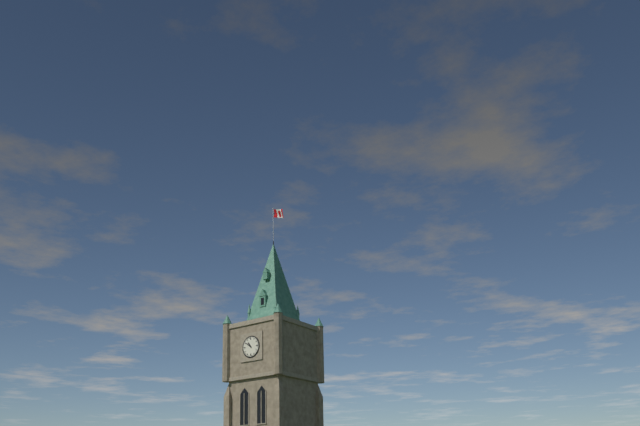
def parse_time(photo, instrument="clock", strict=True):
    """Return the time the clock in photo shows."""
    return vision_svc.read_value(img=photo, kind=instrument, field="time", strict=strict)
10:51
